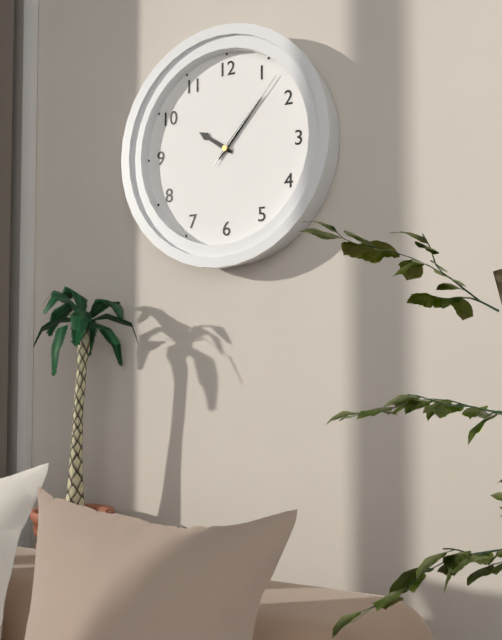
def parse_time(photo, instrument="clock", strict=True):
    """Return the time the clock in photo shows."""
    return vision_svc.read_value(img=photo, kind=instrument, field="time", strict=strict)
10:07:07
